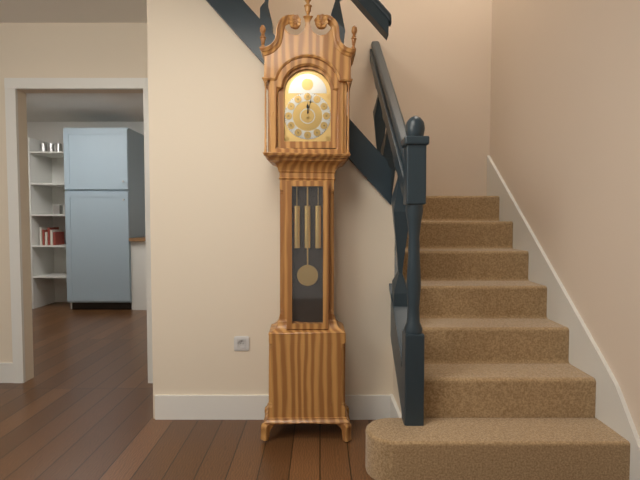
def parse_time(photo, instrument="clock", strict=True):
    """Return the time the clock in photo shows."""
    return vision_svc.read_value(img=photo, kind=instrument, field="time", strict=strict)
12:02
